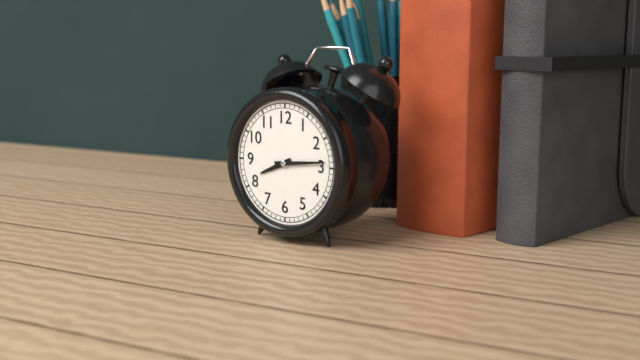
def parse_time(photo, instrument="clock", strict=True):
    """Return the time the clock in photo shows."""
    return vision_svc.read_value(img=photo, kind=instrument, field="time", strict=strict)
8:14
